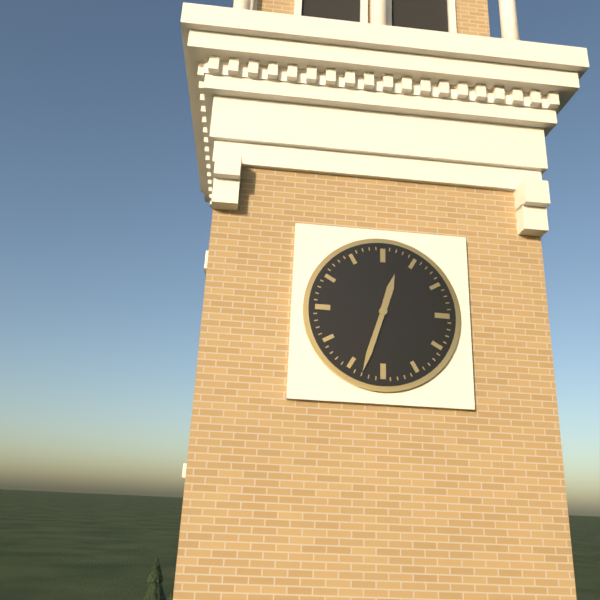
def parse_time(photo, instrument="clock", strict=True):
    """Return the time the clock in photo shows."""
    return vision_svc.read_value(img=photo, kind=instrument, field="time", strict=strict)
12:33
